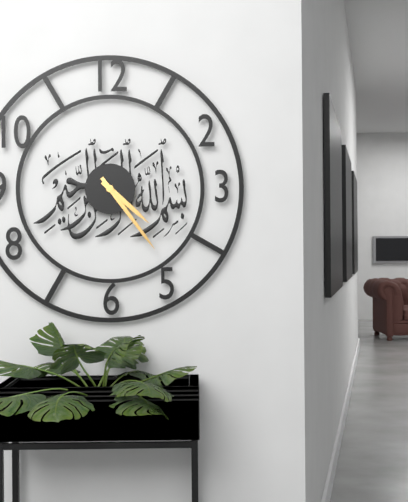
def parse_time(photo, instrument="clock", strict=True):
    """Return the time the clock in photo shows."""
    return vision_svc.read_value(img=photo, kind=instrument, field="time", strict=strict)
4:24
